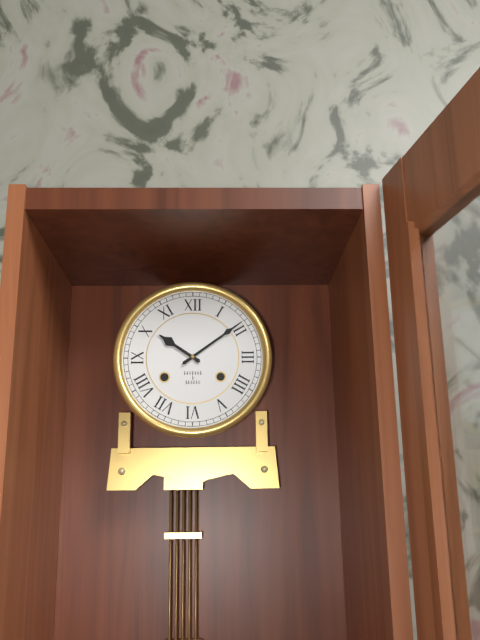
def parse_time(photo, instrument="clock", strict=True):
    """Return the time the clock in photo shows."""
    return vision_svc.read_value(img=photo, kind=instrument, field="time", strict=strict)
10:09
